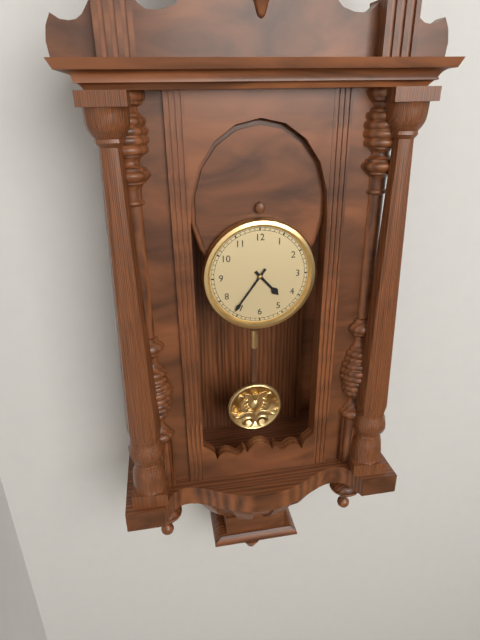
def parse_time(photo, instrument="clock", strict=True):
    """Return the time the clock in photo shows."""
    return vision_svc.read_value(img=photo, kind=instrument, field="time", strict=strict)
4:36
